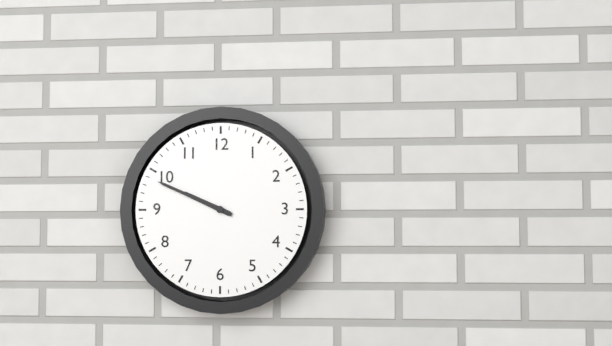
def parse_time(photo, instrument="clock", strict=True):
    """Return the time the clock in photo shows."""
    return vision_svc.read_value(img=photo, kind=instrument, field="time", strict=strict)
9:49
